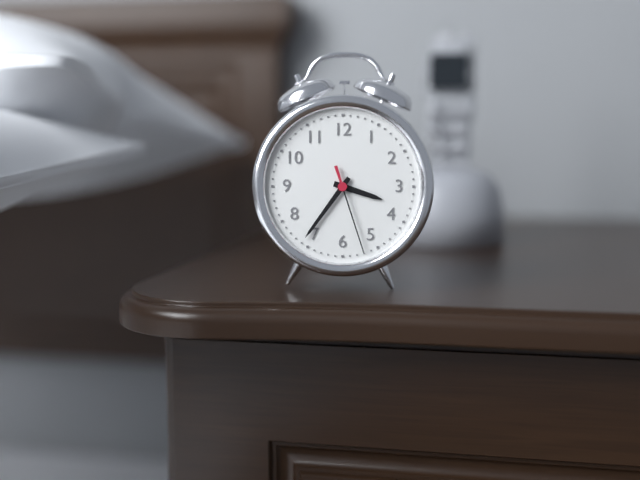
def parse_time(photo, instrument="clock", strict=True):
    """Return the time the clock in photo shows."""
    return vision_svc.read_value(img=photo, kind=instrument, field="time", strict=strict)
3:36:27
